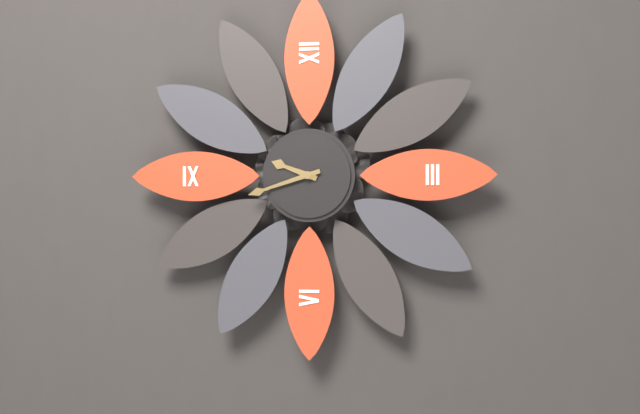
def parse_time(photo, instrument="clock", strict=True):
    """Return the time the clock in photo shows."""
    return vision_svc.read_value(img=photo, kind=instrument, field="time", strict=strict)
9:42
